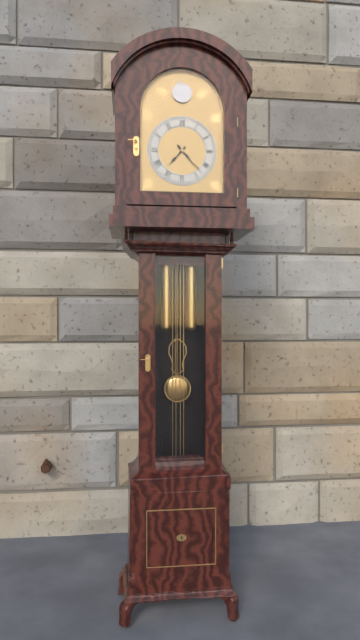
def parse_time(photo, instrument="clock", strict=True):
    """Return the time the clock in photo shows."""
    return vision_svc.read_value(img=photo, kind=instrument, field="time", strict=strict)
7:23
